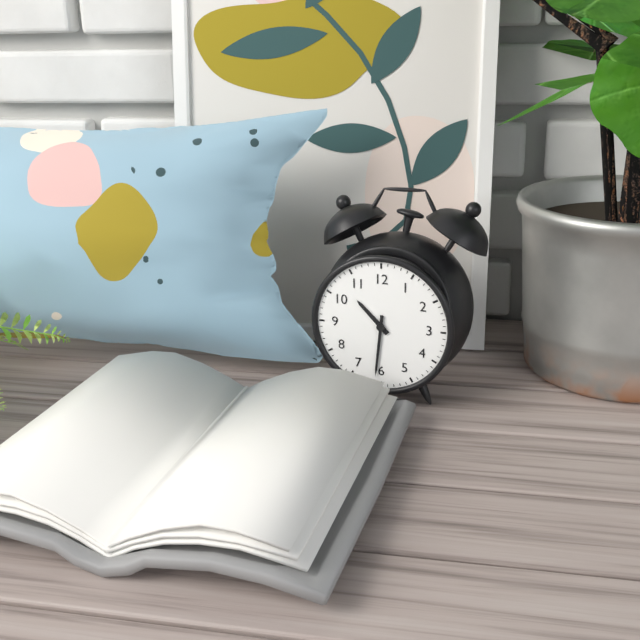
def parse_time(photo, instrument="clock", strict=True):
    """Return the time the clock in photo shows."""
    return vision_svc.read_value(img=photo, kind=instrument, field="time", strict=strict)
10:31
